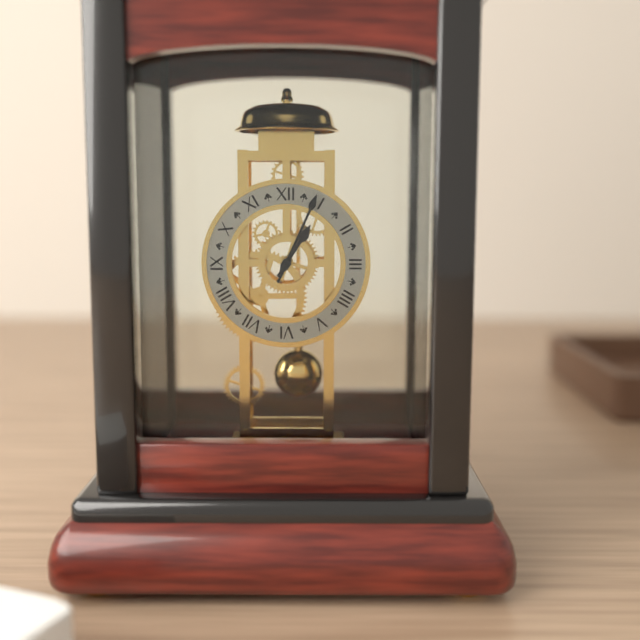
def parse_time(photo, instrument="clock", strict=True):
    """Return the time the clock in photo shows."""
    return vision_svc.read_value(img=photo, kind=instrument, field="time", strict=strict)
1:04
